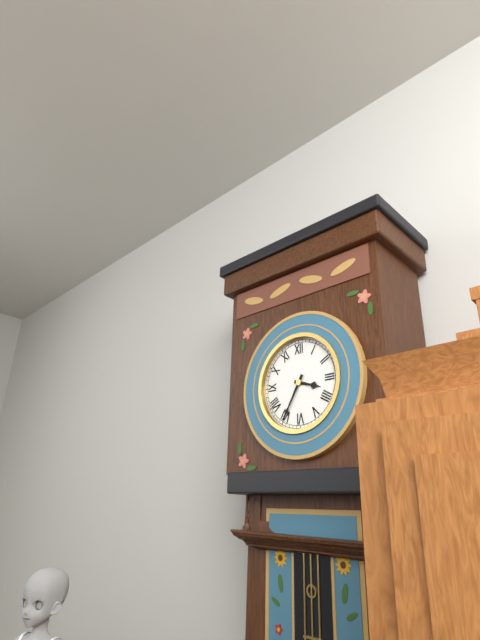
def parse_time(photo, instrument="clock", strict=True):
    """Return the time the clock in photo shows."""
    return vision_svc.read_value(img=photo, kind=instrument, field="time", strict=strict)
3:35
